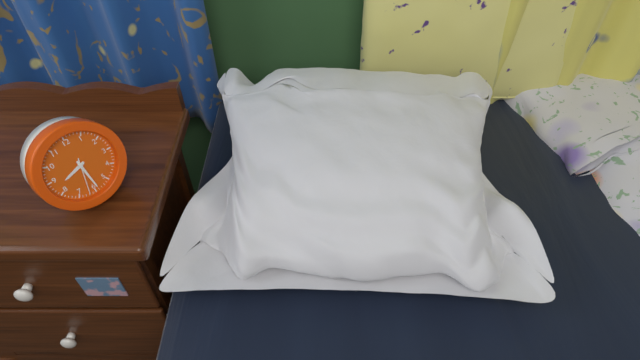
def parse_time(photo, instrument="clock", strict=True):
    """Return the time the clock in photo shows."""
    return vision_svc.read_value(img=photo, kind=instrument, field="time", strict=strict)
8:29
